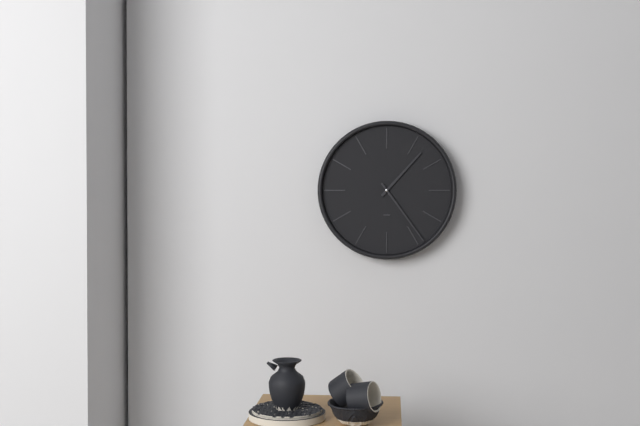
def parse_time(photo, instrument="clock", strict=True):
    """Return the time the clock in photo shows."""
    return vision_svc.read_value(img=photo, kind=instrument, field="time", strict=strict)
1:24
